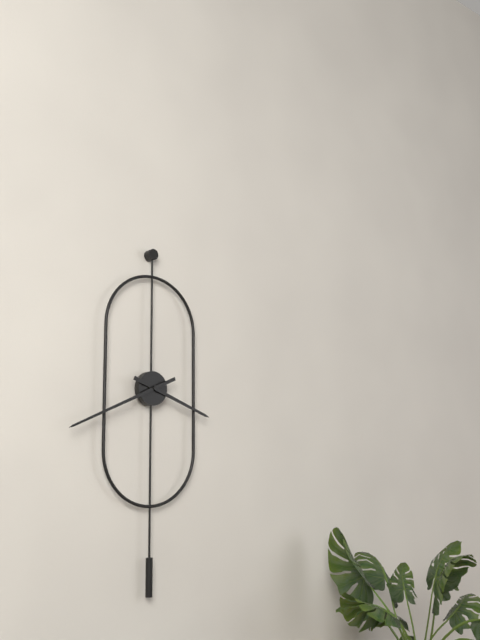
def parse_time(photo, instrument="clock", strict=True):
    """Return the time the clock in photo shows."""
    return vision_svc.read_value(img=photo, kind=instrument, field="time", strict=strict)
3:41
